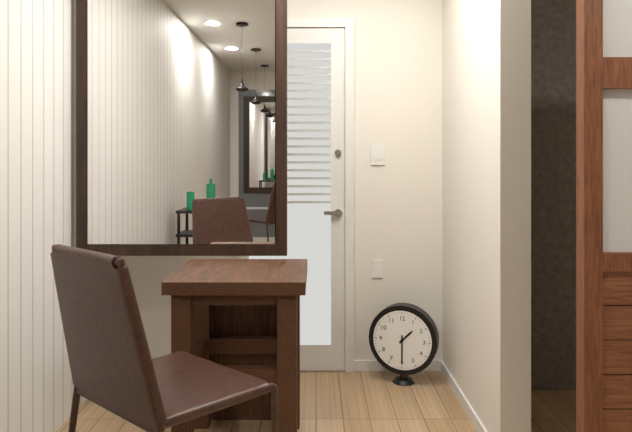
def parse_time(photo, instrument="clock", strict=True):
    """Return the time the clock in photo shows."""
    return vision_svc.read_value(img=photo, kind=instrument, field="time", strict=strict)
1:30
